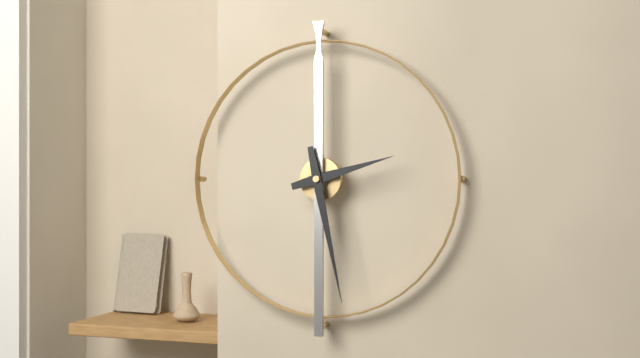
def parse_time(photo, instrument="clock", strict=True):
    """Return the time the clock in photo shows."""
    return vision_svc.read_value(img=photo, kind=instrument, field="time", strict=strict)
2:28
